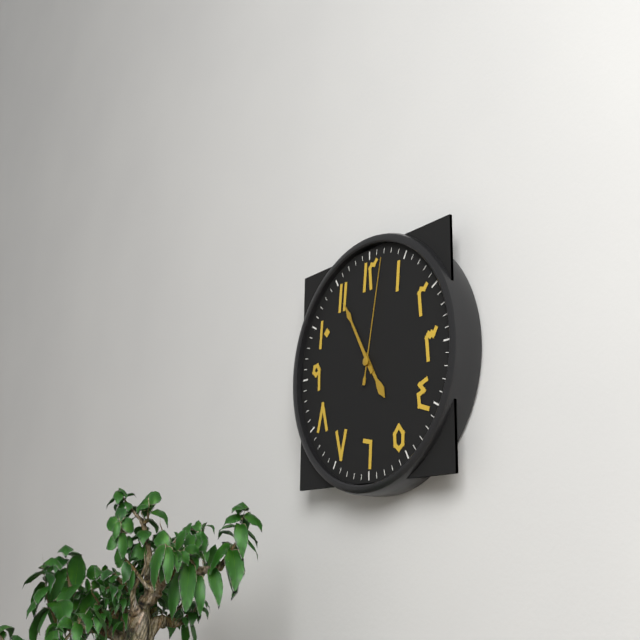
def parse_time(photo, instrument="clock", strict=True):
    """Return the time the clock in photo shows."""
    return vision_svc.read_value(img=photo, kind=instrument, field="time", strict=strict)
4:55:02
